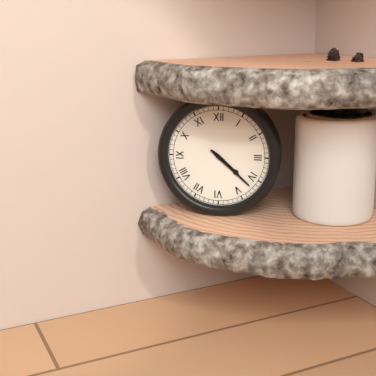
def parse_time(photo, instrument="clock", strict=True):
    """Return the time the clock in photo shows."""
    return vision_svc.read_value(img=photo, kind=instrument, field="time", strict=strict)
4:22
